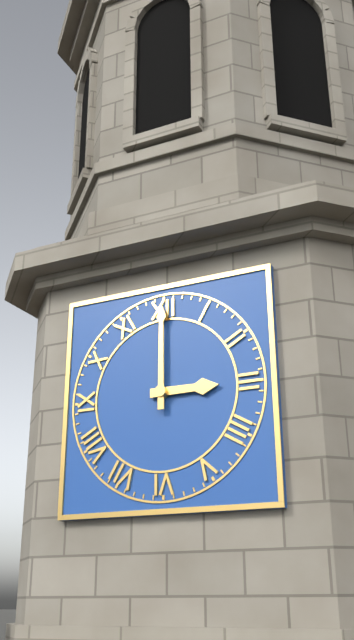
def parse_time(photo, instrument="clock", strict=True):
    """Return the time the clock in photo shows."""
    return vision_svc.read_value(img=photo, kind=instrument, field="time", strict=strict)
3:00
